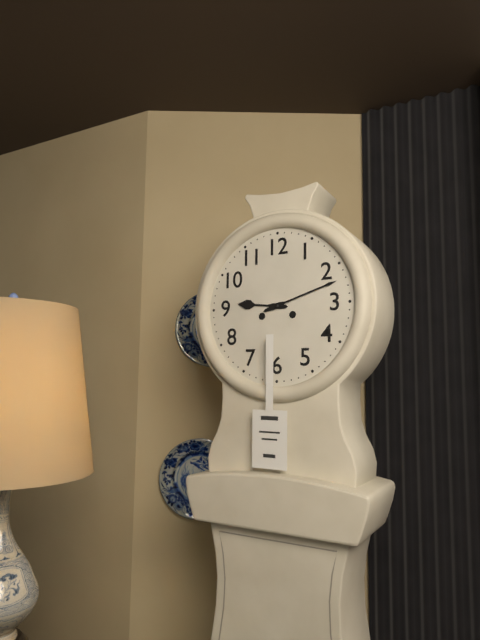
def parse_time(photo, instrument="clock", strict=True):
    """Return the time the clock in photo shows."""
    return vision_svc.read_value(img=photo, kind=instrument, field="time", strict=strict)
9:12
